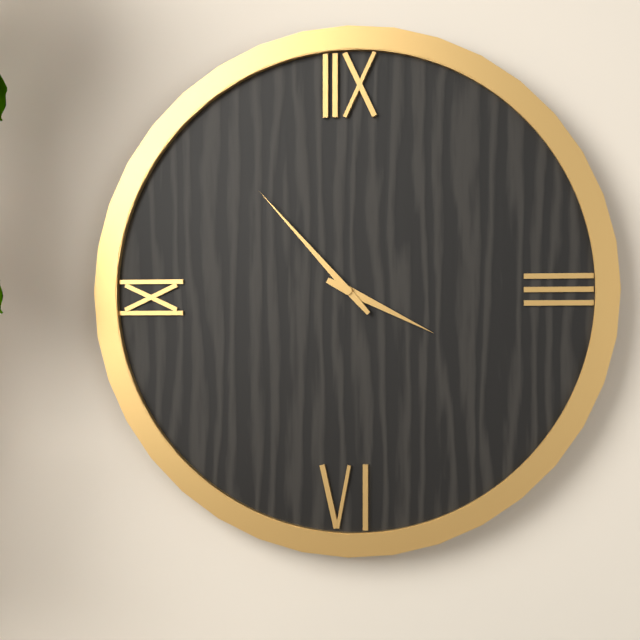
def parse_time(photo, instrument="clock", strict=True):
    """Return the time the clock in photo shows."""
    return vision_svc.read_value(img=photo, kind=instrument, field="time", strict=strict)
3:53
